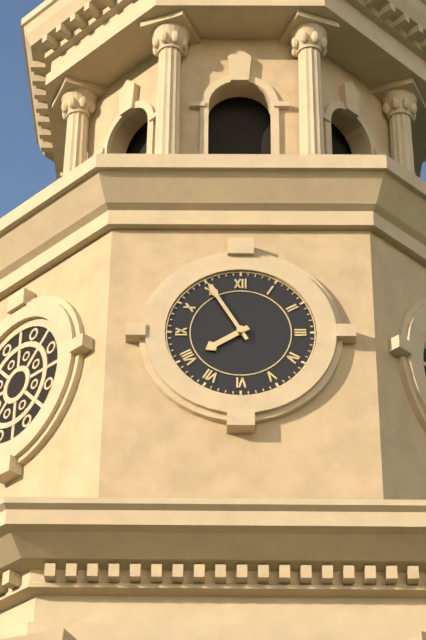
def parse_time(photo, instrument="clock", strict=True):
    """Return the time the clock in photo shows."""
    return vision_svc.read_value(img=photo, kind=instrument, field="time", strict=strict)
7:55
